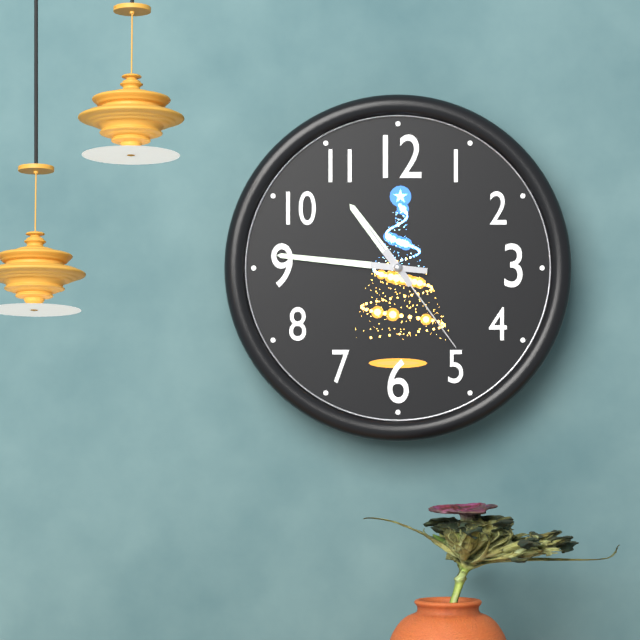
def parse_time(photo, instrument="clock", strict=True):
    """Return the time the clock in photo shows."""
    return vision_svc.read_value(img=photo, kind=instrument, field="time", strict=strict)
10:46:24
